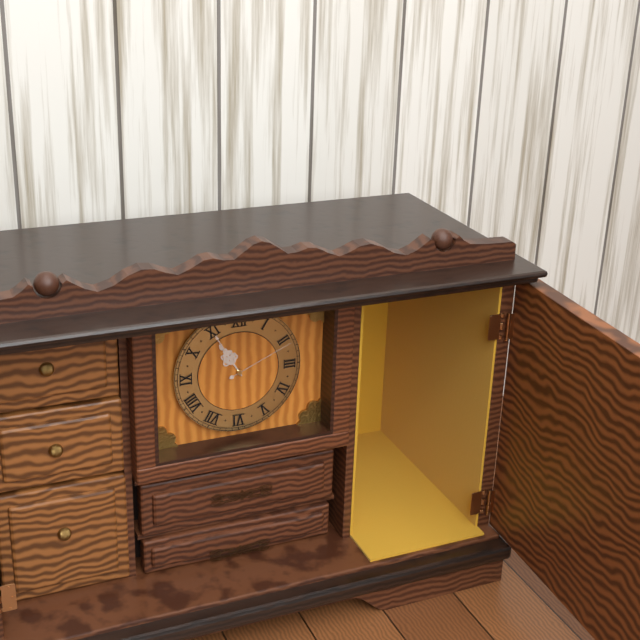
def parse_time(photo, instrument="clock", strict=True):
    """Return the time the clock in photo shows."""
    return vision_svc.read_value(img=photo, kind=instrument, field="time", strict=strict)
10:55:11
